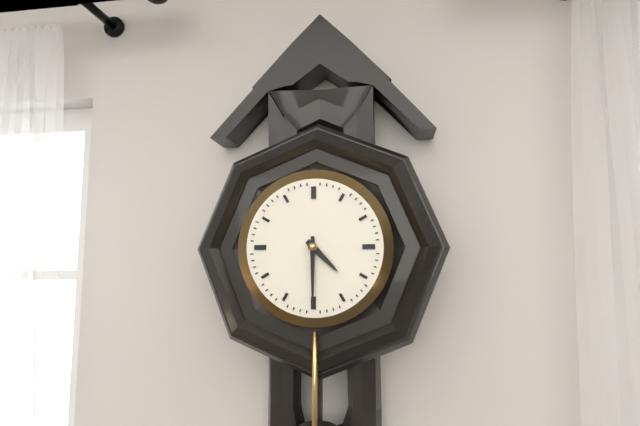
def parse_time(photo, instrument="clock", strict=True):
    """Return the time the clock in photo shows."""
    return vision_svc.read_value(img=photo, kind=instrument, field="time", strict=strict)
4:30
